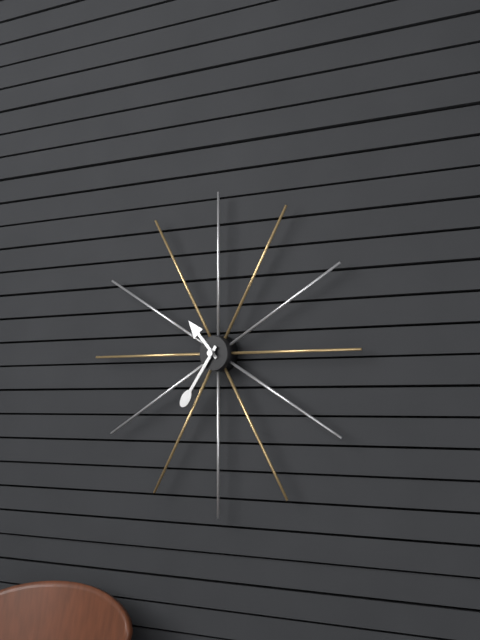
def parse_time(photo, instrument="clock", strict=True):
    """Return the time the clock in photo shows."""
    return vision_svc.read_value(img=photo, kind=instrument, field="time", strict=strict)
10:36
